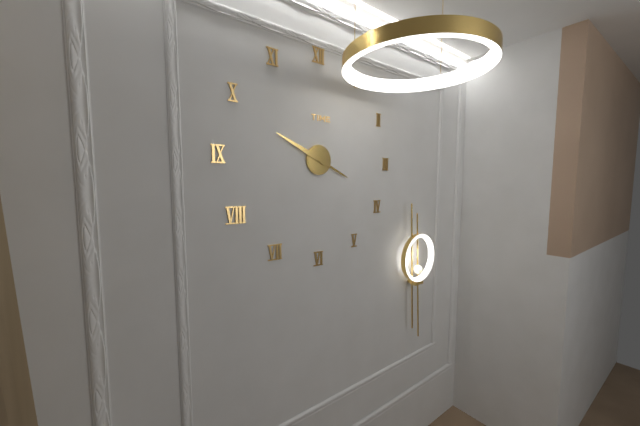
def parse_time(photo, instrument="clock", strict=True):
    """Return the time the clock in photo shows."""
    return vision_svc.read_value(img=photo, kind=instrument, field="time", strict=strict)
3:49
